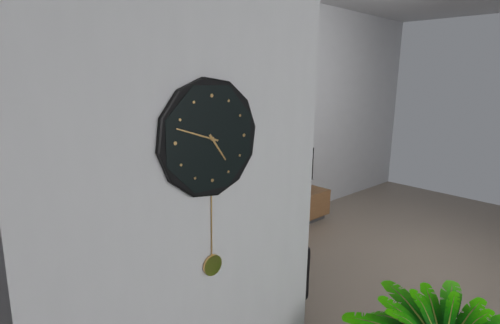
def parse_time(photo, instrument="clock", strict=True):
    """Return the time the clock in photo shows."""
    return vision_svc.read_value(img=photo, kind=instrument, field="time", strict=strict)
4:48
